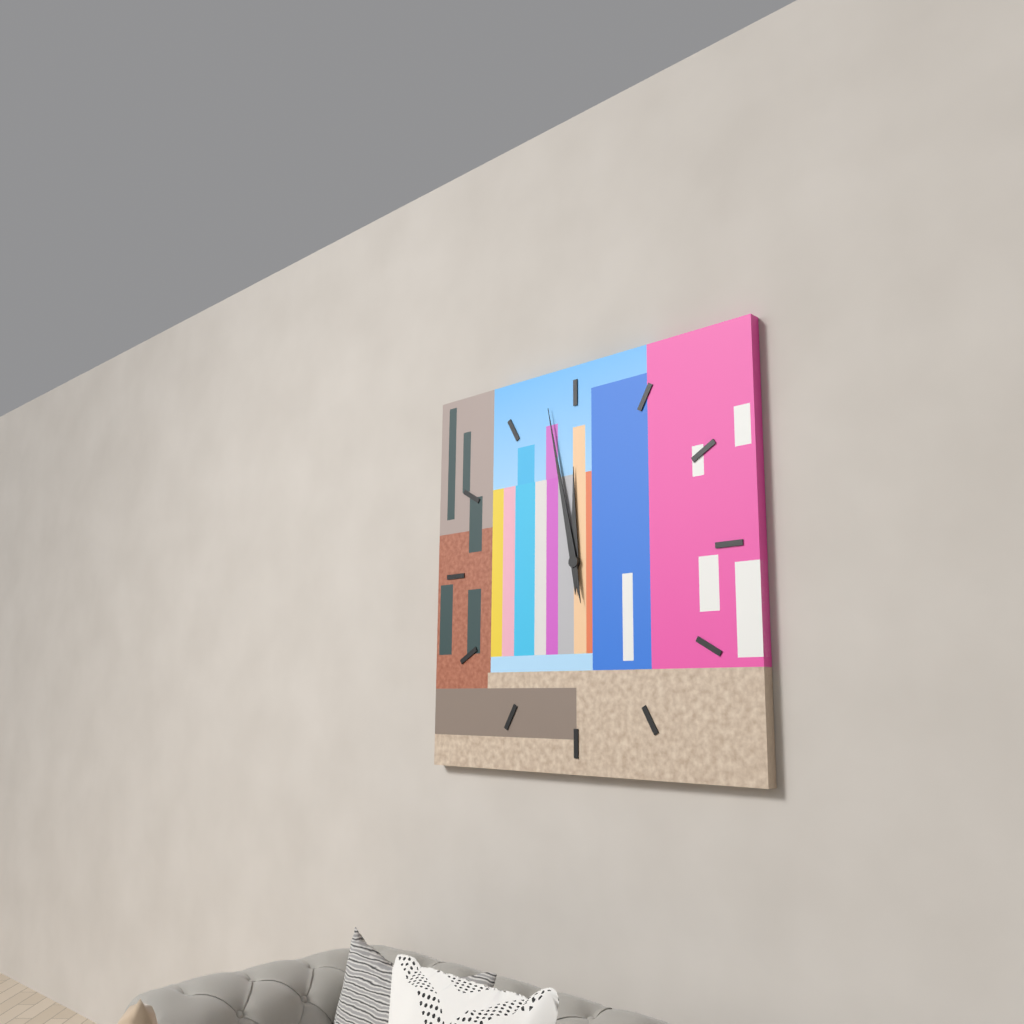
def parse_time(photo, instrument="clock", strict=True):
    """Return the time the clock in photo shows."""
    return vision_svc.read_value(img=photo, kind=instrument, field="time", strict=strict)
11:58
